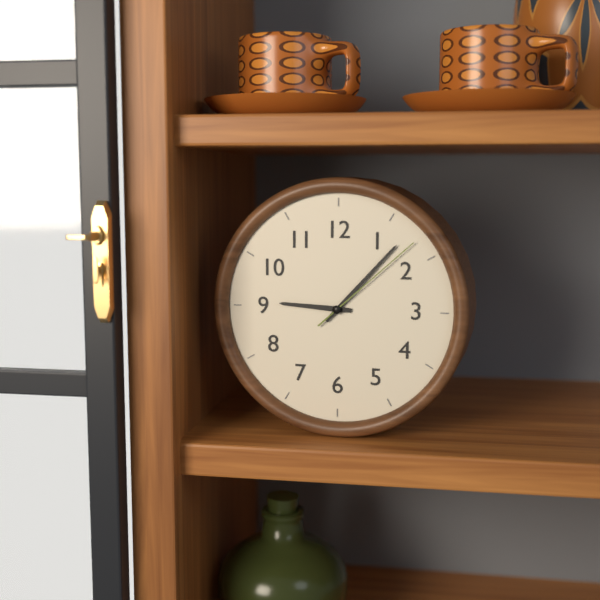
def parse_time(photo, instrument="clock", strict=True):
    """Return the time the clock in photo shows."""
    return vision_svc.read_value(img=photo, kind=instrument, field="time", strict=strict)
9:07:08
